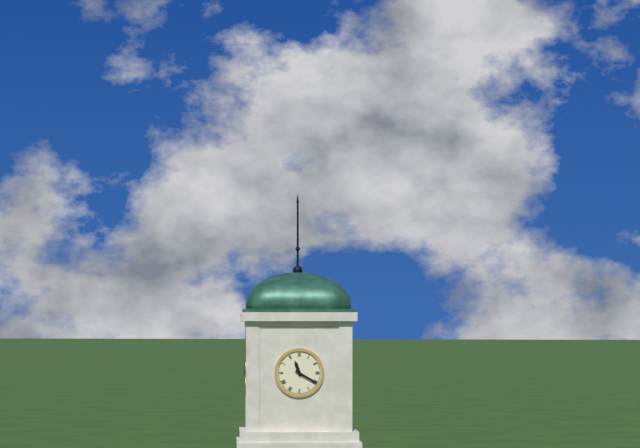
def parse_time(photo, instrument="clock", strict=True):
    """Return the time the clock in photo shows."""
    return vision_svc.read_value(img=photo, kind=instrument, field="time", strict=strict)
11:20
